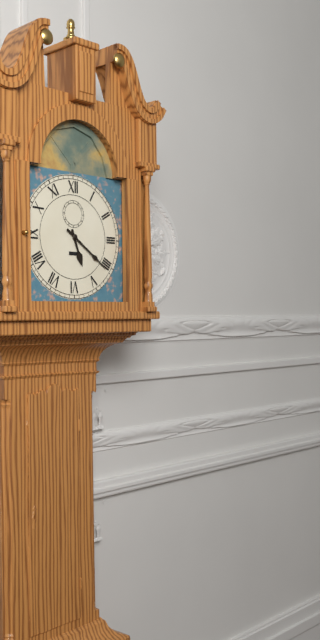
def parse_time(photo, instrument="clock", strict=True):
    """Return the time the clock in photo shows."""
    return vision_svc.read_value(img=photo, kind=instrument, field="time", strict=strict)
5:21
